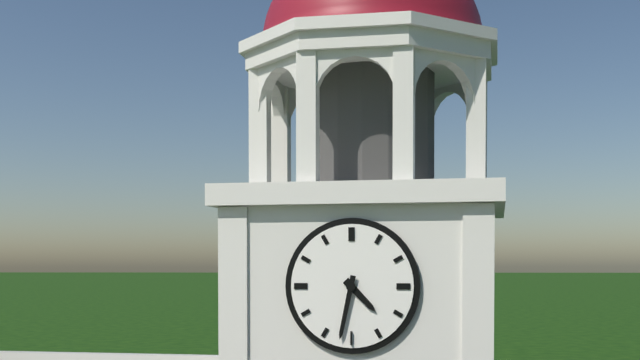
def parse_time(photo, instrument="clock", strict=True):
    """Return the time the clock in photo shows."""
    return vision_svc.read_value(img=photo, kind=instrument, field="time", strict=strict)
4:32
